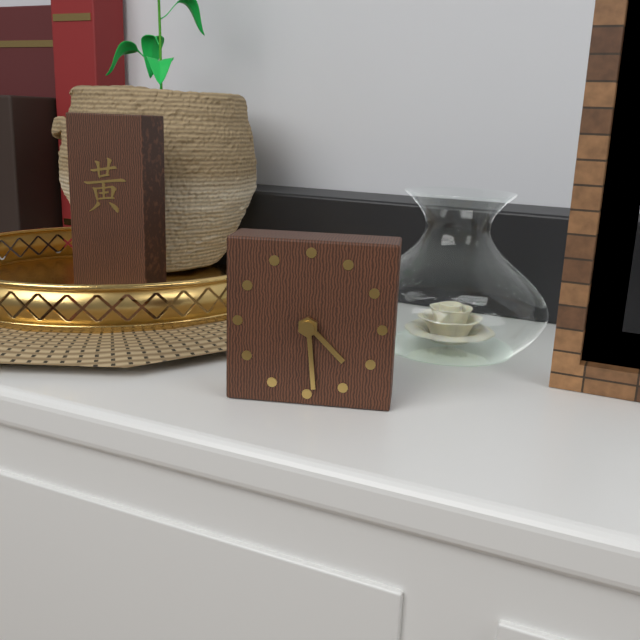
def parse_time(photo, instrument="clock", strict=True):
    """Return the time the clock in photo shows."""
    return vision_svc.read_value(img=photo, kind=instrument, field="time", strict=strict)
4:29
